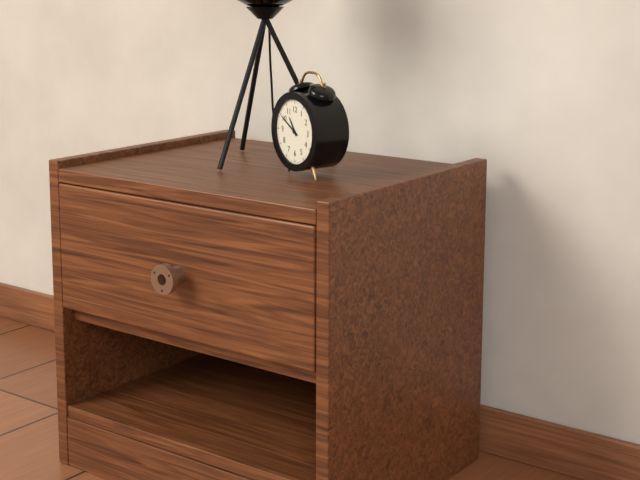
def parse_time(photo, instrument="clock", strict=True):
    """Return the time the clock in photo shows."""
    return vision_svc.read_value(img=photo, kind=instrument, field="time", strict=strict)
10:50
